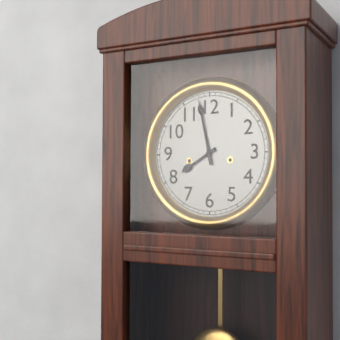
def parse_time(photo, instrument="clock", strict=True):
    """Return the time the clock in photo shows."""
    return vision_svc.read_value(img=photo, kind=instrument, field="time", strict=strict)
7:58
